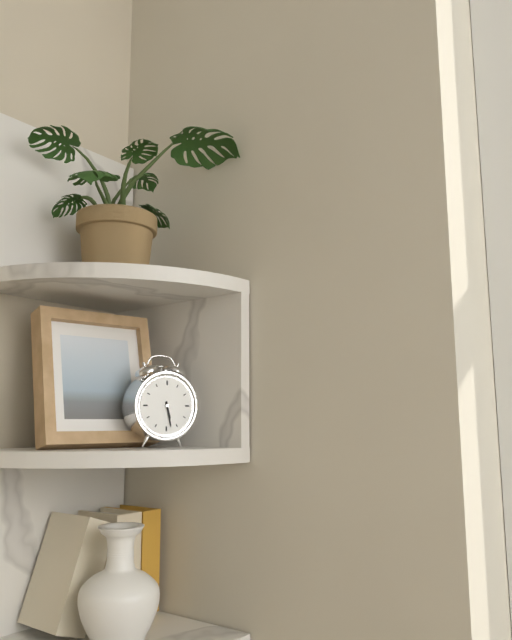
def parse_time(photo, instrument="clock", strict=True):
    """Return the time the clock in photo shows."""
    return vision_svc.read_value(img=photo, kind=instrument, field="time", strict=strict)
5:28
